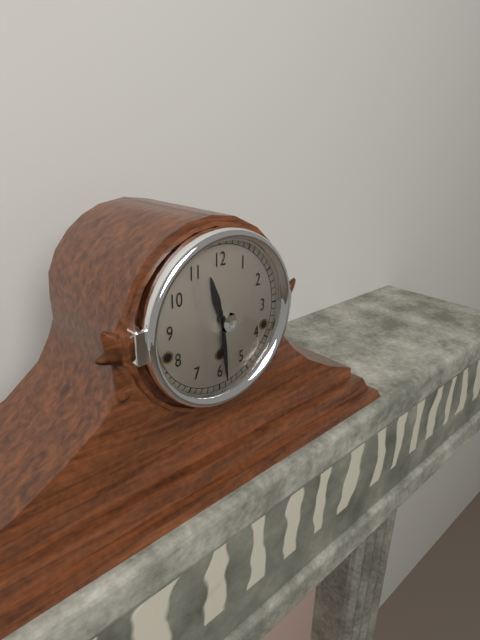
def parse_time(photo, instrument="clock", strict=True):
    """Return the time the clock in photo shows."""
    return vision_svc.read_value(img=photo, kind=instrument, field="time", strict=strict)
11:29
